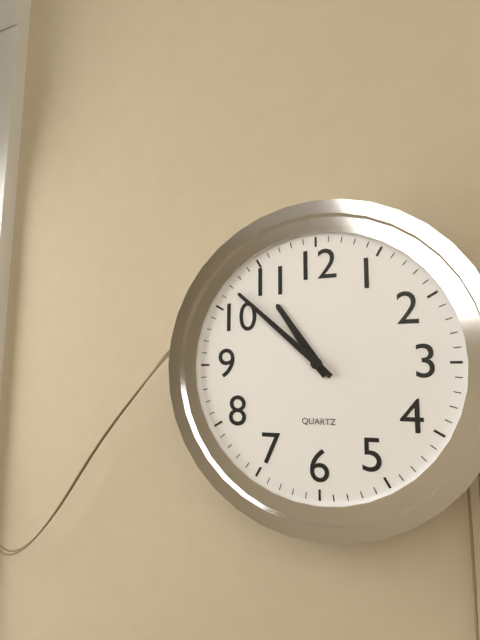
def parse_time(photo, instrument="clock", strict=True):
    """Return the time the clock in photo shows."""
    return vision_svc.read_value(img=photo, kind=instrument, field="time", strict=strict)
10:52
